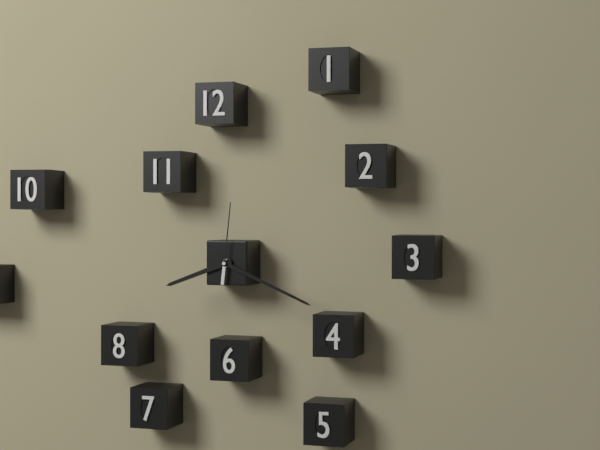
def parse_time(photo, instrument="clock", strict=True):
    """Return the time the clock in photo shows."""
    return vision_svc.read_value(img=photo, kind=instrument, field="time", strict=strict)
8:19:01
